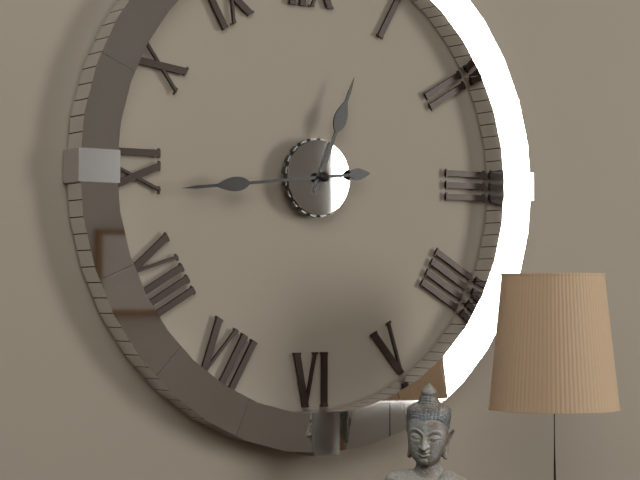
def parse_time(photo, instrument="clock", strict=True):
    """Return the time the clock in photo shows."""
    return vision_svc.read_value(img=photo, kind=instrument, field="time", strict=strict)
12:44
